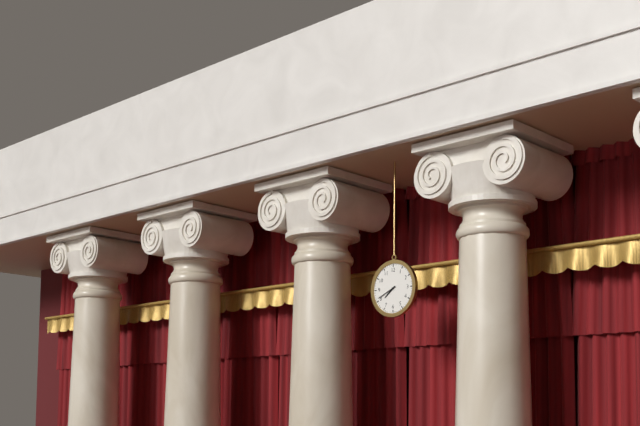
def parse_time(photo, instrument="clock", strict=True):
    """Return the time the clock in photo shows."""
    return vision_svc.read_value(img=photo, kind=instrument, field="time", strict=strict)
7:41
